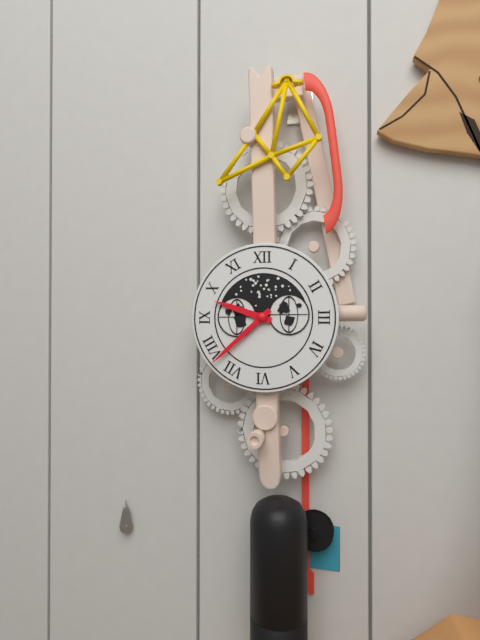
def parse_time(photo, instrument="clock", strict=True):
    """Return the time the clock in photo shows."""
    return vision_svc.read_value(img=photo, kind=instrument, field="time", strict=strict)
9:38
